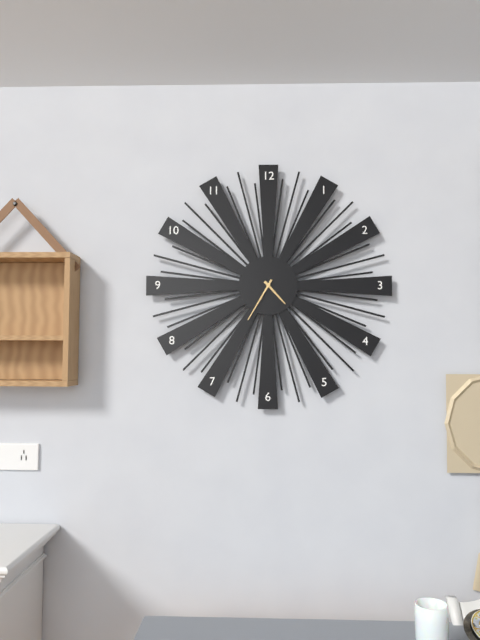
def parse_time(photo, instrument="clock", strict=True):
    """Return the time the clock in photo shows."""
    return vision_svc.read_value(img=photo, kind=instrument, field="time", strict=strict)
4:35
